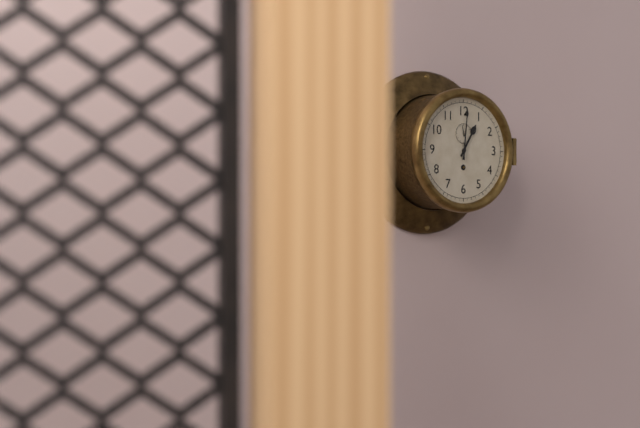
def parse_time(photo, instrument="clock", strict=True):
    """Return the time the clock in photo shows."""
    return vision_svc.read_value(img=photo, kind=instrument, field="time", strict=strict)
1:01
